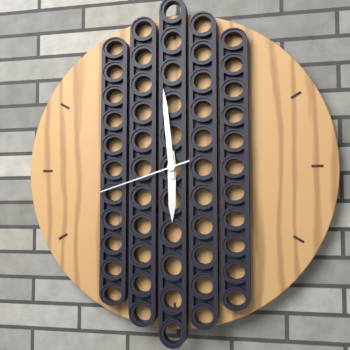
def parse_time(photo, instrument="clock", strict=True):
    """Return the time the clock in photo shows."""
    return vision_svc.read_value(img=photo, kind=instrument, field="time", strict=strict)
5:59:42
